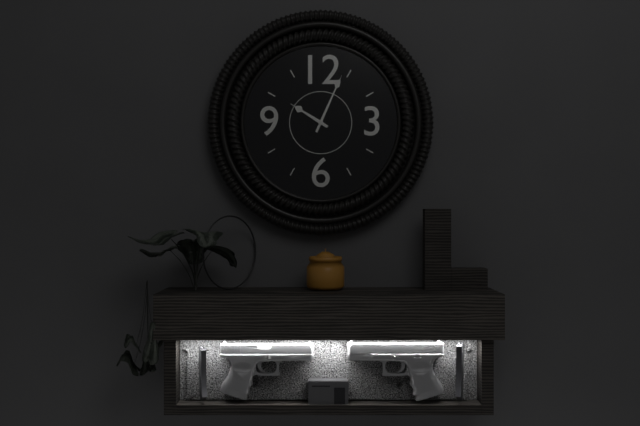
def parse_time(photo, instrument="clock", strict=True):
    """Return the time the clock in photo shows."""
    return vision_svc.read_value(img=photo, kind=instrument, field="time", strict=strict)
10:04
